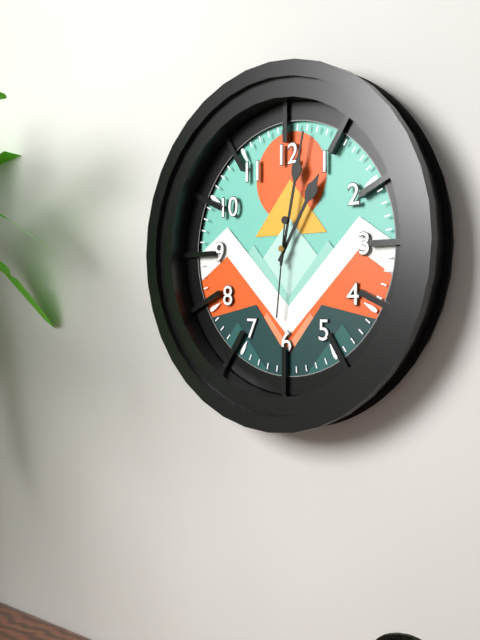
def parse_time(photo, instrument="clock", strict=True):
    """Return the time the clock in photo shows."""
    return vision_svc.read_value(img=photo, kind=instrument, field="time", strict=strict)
1:02:31
